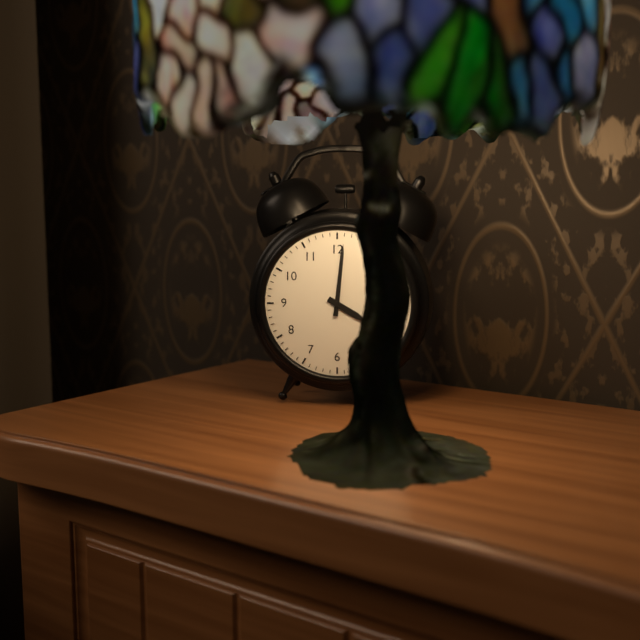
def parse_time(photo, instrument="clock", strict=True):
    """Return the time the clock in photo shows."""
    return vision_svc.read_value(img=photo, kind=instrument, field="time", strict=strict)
4:01
